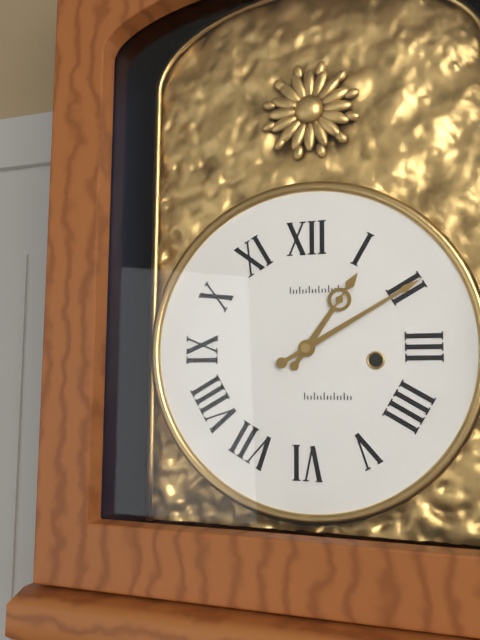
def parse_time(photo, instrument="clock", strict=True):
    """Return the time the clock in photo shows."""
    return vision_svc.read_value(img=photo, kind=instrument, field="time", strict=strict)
1:10
